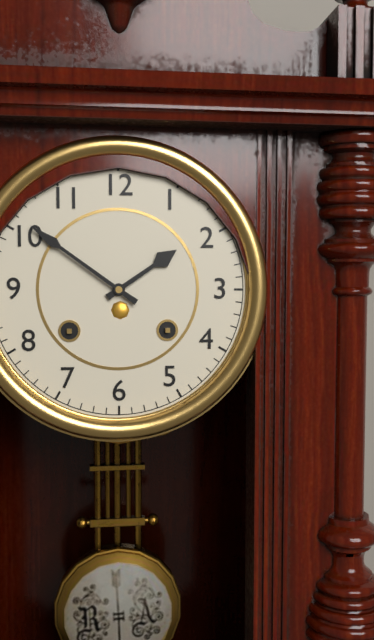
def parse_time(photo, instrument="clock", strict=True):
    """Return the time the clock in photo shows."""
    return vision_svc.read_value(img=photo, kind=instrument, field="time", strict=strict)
1:51
